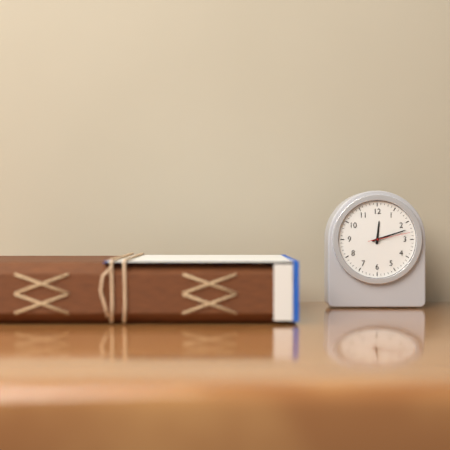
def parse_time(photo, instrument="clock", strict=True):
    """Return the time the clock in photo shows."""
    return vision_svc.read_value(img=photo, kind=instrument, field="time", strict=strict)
12:12
